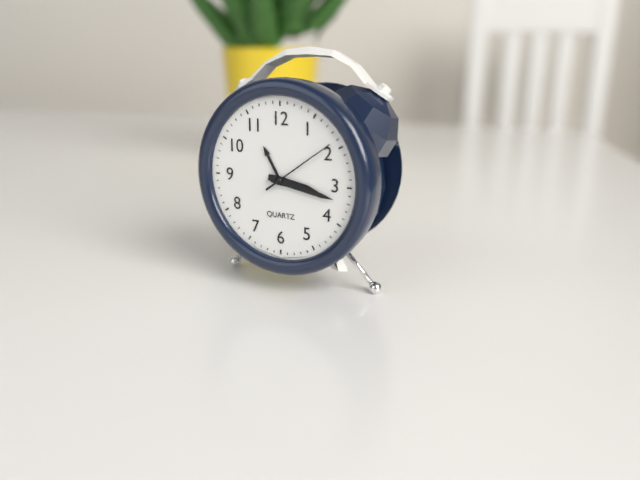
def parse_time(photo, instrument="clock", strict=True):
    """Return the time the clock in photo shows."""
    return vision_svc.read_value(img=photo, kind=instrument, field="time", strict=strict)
3:17:09
